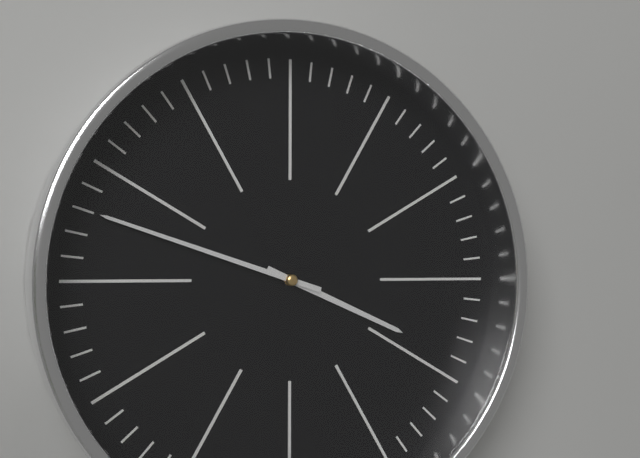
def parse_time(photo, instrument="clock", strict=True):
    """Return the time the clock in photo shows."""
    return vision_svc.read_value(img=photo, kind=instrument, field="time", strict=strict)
3:48
